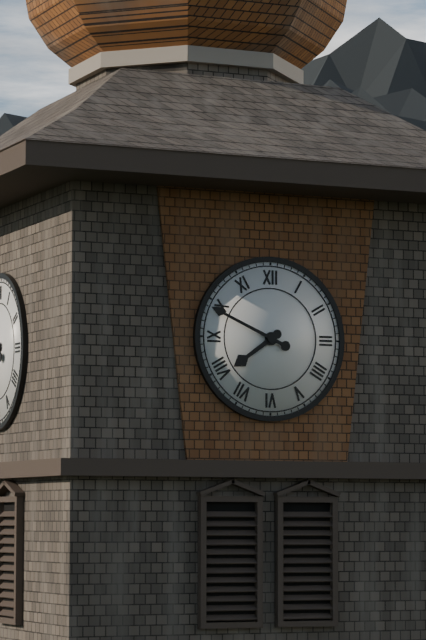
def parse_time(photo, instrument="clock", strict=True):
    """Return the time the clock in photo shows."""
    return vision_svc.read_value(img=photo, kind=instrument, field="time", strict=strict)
7:49
